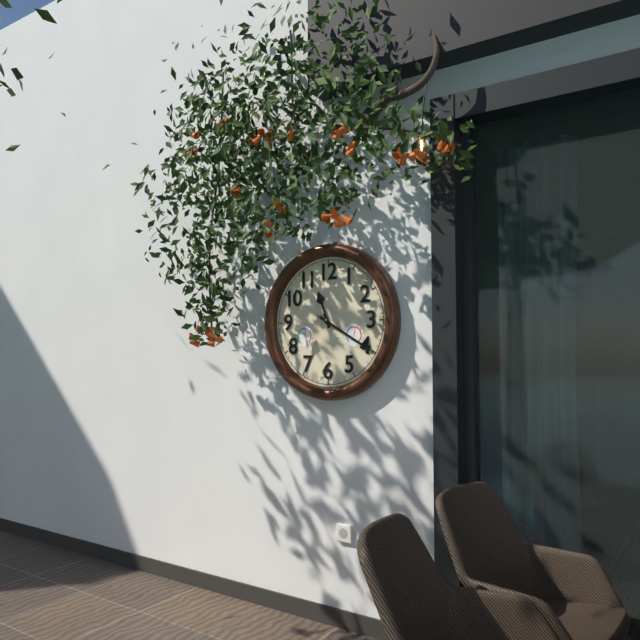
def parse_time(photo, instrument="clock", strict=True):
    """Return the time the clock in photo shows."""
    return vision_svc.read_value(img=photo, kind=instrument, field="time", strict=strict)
11:20:20
